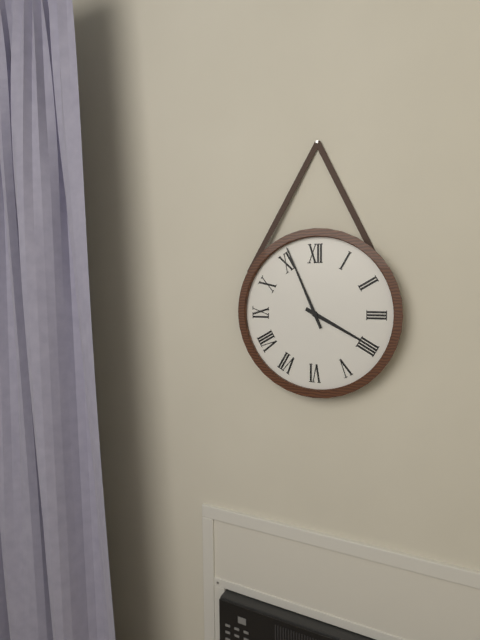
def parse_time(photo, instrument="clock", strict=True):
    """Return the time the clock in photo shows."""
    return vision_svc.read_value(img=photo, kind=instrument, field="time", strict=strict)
3:56
